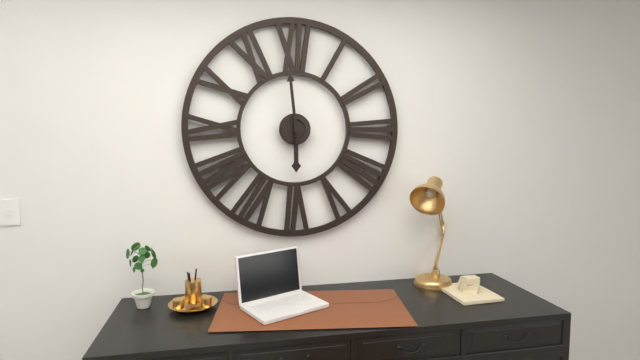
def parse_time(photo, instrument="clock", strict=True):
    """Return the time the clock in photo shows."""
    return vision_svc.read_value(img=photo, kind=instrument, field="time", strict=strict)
5:59
